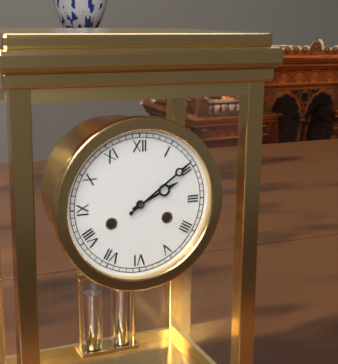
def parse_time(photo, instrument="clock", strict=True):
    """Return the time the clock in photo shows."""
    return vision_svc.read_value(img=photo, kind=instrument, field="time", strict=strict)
2:09
